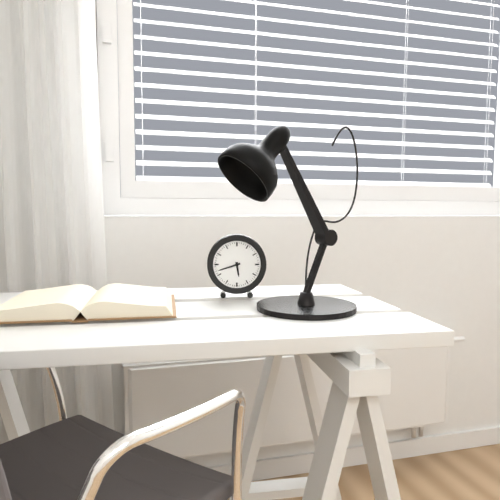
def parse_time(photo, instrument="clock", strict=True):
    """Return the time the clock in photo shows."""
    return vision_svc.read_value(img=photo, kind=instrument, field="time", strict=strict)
5:42
